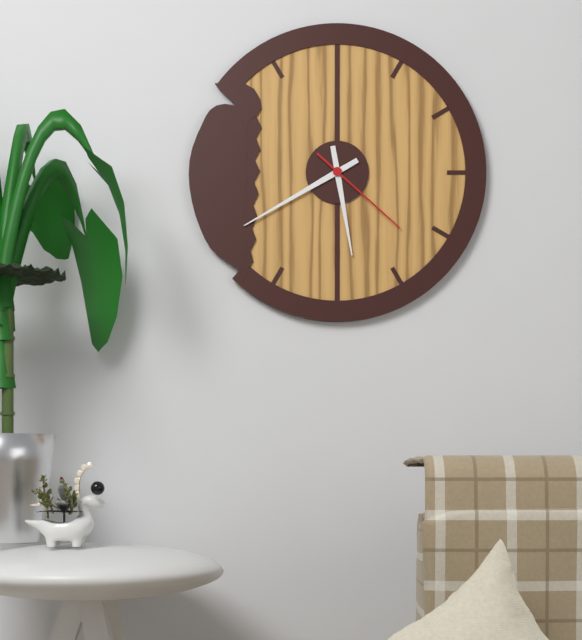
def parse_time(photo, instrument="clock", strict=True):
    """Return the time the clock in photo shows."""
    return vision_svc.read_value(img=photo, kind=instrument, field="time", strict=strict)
5:40:22
